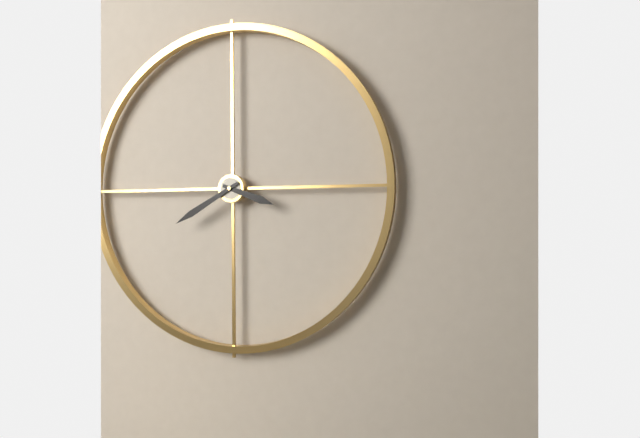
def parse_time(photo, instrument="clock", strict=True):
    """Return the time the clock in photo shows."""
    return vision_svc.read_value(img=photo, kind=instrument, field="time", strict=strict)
3:40
